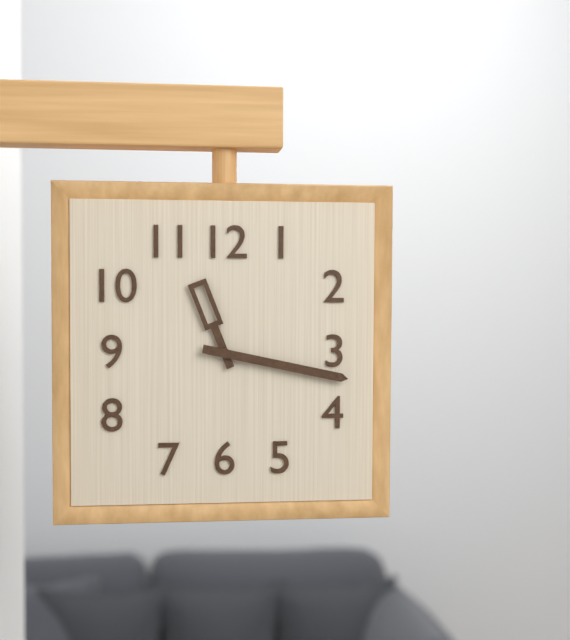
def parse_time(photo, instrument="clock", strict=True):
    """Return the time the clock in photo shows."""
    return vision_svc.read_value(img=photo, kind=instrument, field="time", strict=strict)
11:17
